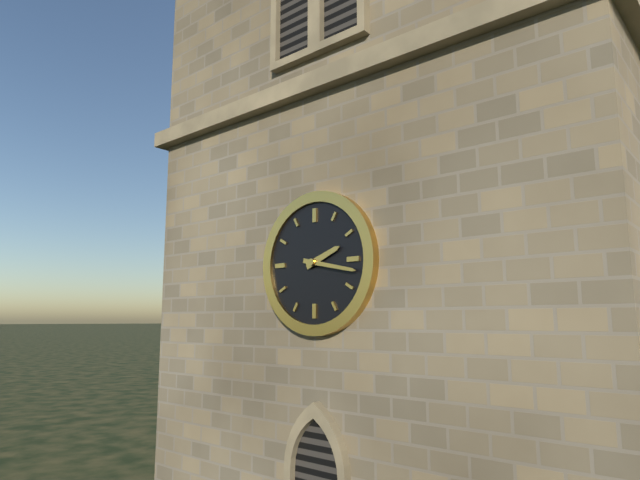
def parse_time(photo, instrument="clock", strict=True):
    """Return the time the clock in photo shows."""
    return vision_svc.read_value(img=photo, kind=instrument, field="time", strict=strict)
2:17
